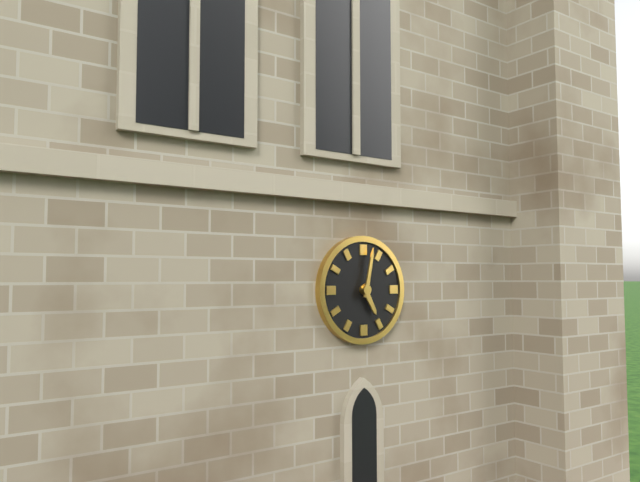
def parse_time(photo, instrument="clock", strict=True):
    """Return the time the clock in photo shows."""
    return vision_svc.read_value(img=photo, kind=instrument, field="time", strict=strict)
5:02
